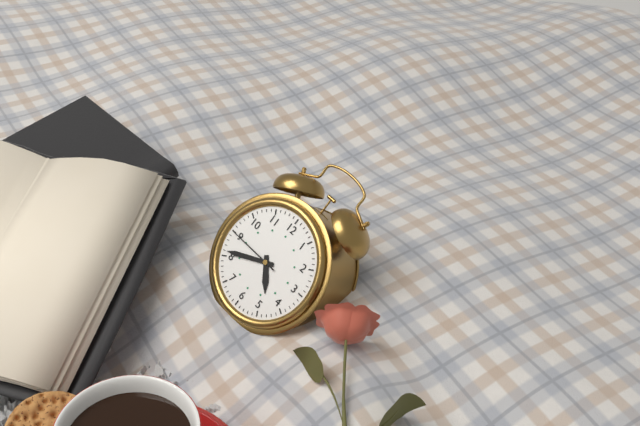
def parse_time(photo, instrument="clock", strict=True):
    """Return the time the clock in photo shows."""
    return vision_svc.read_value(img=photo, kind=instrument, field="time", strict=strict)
4:41:45
